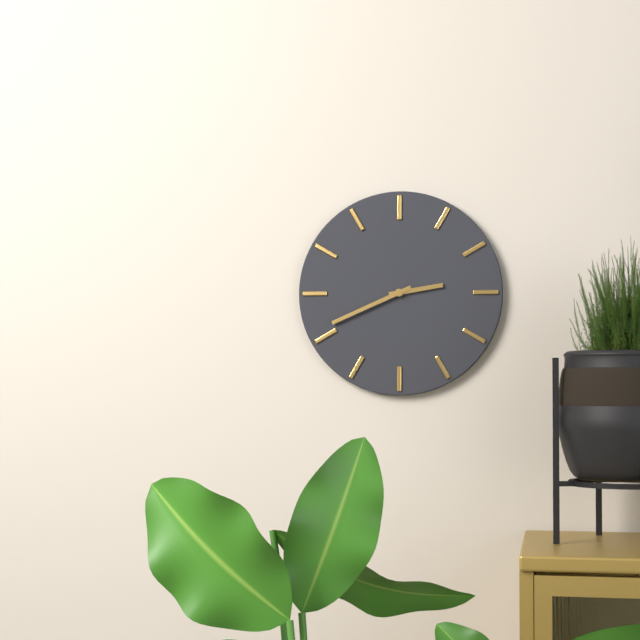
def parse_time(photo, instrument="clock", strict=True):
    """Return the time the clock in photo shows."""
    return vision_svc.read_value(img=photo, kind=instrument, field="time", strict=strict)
2:41
